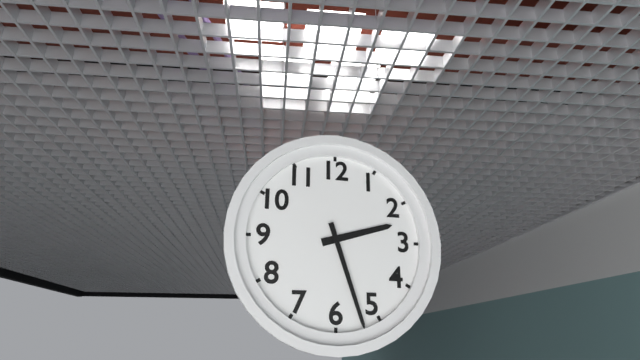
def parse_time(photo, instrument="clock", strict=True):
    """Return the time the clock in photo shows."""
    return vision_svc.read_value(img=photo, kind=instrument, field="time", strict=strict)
2:27
